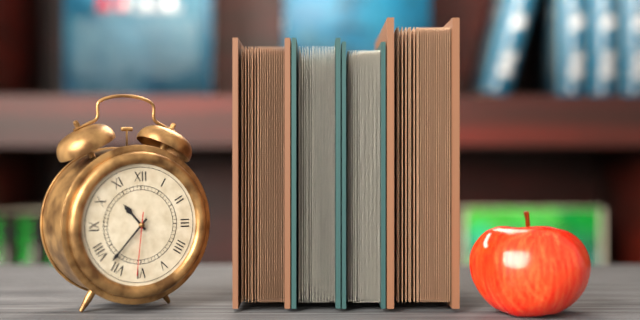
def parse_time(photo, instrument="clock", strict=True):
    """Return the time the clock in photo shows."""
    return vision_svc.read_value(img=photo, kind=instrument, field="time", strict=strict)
10:37:31
